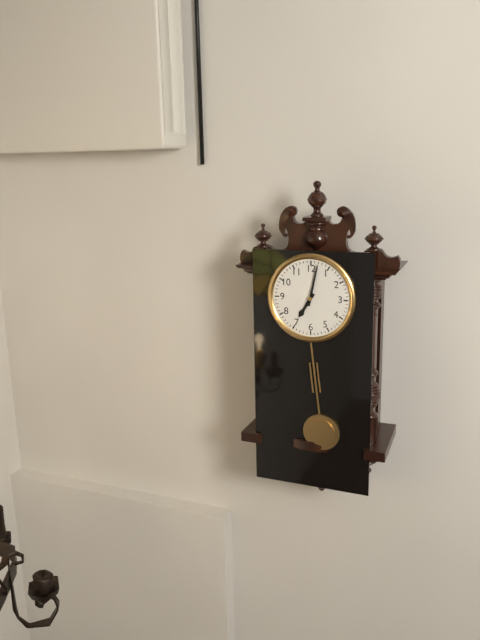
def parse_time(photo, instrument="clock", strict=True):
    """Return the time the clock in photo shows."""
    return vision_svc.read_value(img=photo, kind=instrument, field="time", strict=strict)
7:02
